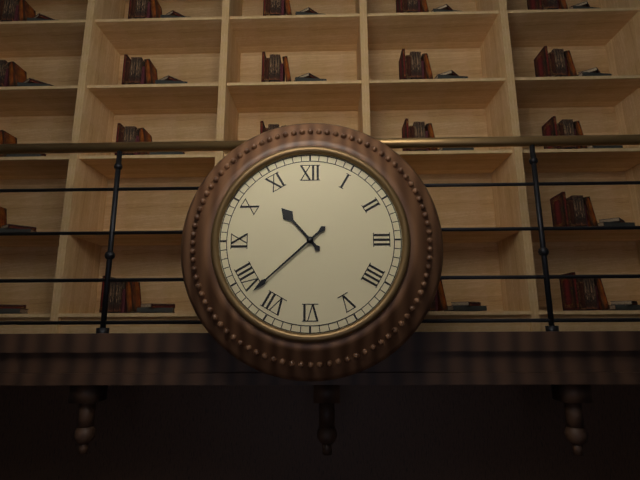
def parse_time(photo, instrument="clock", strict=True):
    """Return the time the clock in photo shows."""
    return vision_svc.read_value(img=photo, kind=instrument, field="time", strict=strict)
10:38
